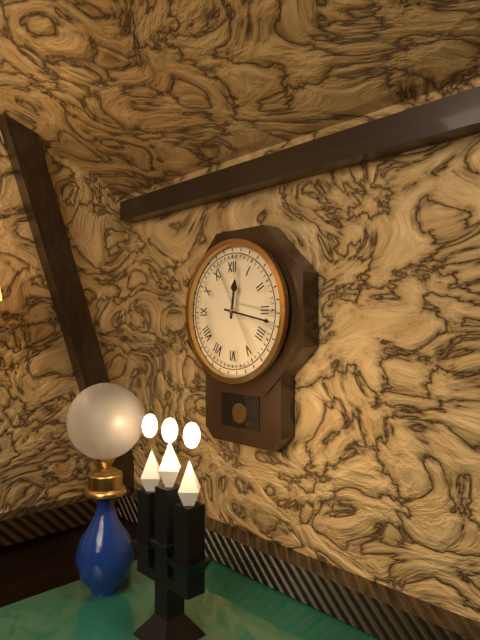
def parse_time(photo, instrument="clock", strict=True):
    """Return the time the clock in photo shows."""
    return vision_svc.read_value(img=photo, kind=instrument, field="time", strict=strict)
12:17
